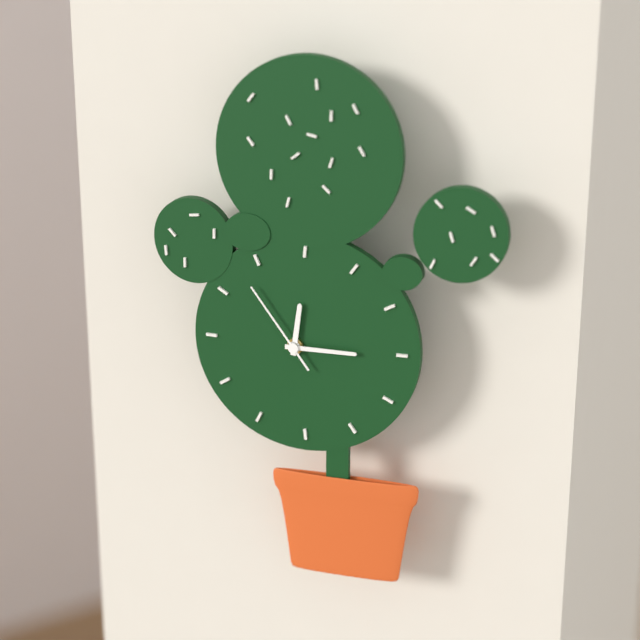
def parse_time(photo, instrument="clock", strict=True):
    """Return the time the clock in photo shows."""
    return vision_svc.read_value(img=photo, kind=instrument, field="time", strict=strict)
12:15:54
